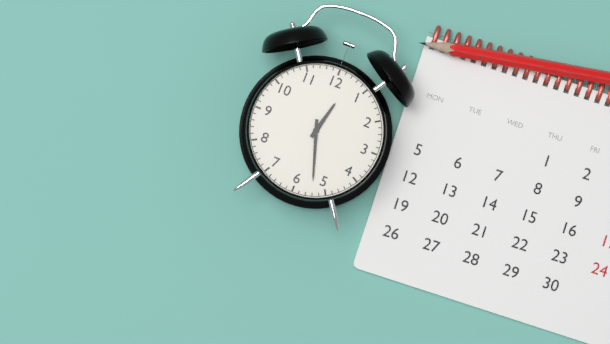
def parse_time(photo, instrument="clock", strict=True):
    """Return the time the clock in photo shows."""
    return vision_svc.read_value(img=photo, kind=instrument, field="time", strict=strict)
12:27
